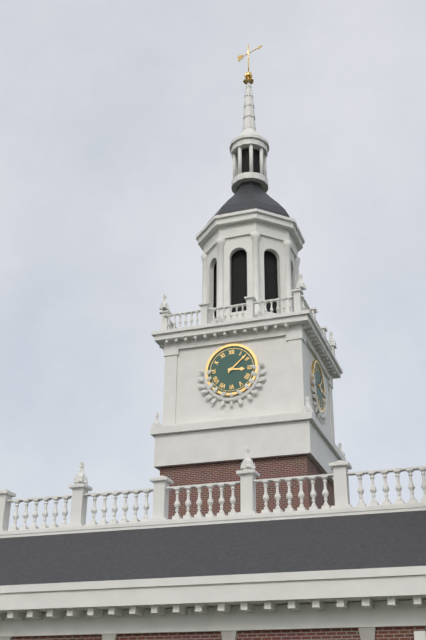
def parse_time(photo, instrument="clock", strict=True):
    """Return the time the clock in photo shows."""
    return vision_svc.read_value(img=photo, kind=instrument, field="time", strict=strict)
3:08
